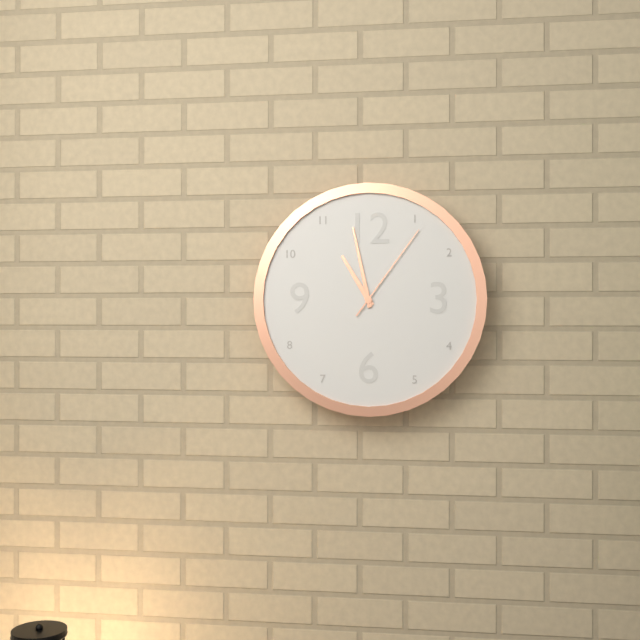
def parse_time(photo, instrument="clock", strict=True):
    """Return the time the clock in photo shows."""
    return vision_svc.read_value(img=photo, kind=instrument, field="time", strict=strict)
10:58:06
